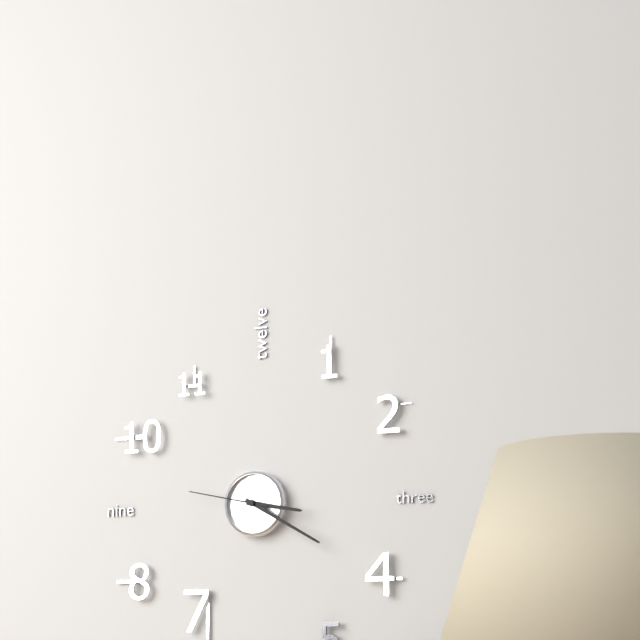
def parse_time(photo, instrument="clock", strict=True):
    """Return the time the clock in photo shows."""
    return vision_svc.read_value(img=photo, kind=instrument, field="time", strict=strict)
3:20:47
